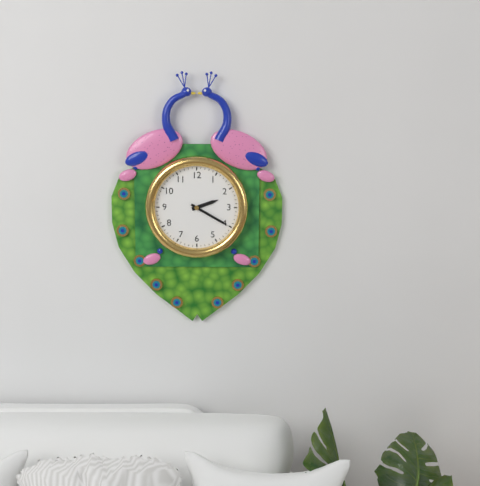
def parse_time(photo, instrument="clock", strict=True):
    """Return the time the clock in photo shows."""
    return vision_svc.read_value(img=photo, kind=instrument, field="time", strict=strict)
2:20
